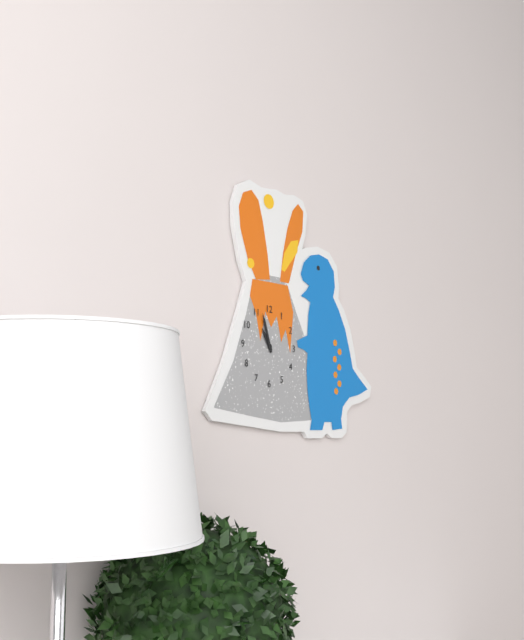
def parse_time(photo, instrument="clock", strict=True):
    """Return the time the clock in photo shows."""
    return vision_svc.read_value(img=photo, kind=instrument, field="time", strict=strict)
10:57
